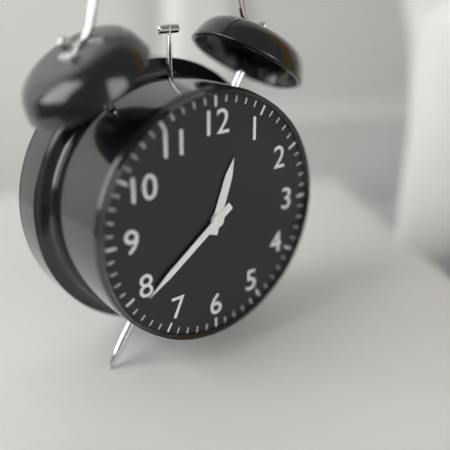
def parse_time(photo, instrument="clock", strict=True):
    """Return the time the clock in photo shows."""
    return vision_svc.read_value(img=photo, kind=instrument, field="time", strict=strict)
12:39
